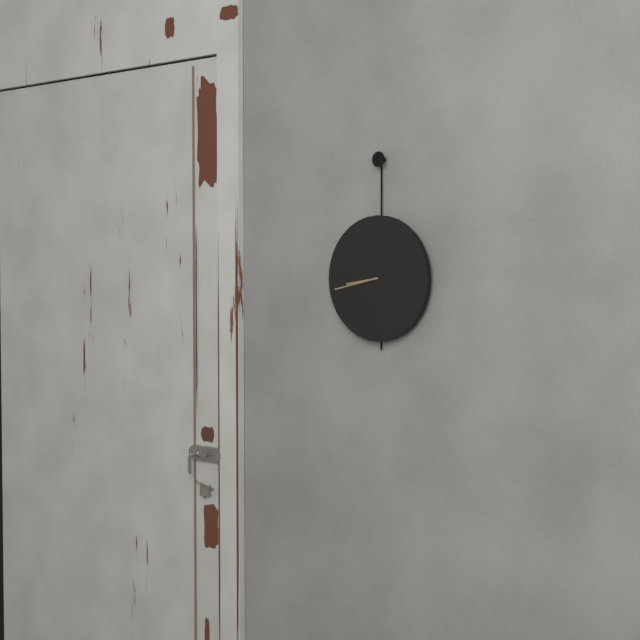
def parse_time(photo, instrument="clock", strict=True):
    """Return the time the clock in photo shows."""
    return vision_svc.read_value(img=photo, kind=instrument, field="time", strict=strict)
8:43
